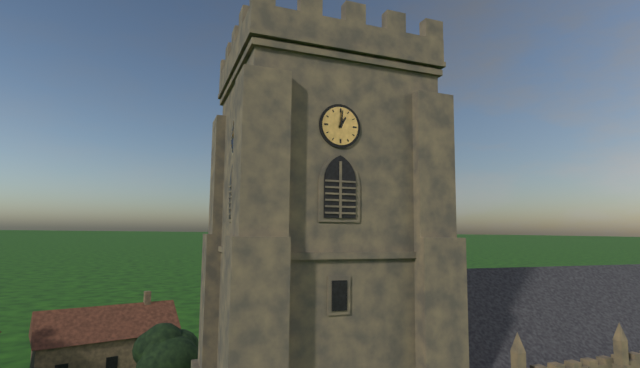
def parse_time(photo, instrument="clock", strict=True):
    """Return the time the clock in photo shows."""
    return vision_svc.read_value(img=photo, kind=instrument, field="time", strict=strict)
1:01
